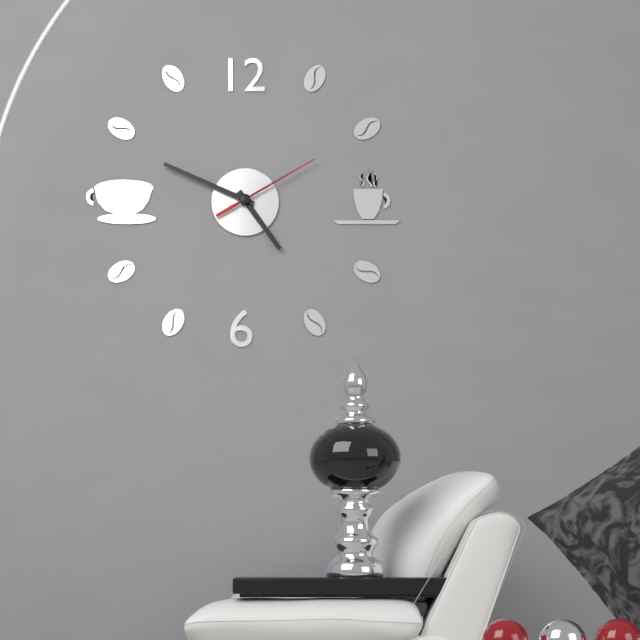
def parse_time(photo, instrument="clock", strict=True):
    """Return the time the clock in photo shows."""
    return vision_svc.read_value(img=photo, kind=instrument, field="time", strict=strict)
4:49:10
